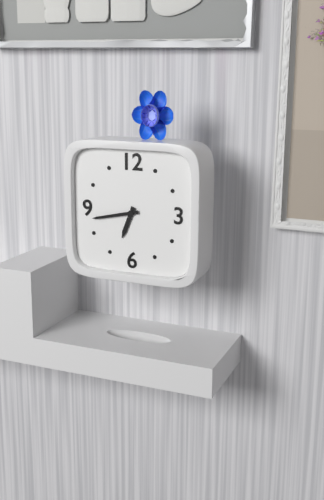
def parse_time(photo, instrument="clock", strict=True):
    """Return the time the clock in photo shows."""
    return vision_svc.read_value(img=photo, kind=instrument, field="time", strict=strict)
6:43
